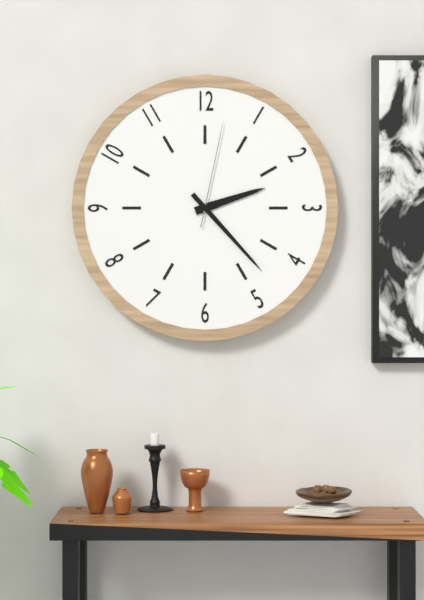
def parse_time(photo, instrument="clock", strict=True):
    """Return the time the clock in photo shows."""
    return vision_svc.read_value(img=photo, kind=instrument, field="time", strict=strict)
2:23:02
